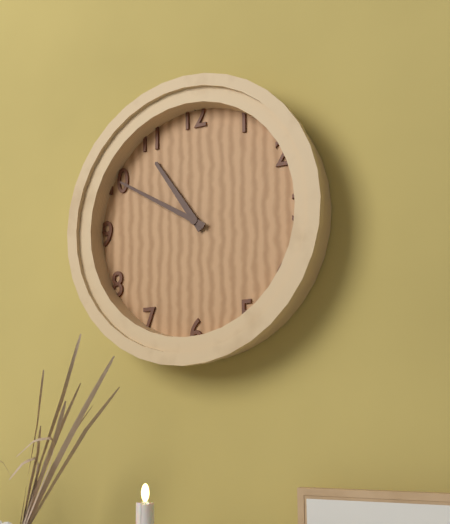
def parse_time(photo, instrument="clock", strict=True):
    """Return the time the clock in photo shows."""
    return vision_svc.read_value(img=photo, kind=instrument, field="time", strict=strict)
10:50
